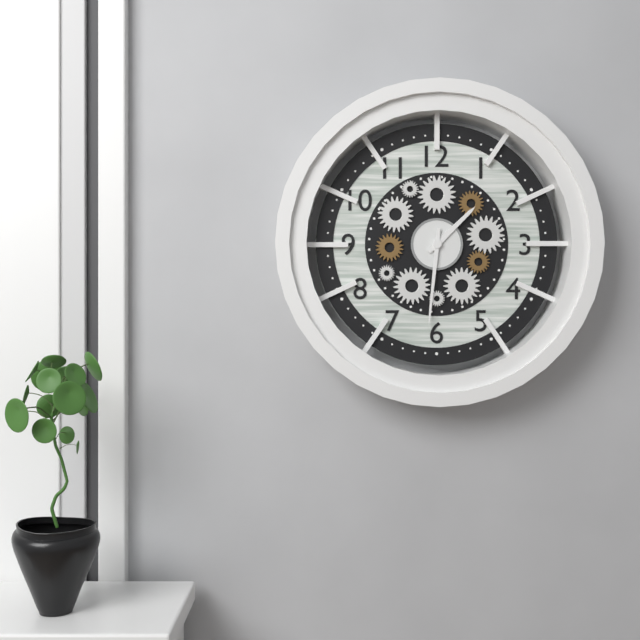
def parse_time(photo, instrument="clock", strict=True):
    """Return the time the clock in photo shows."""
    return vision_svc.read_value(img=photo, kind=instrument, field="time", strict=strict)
1:31
